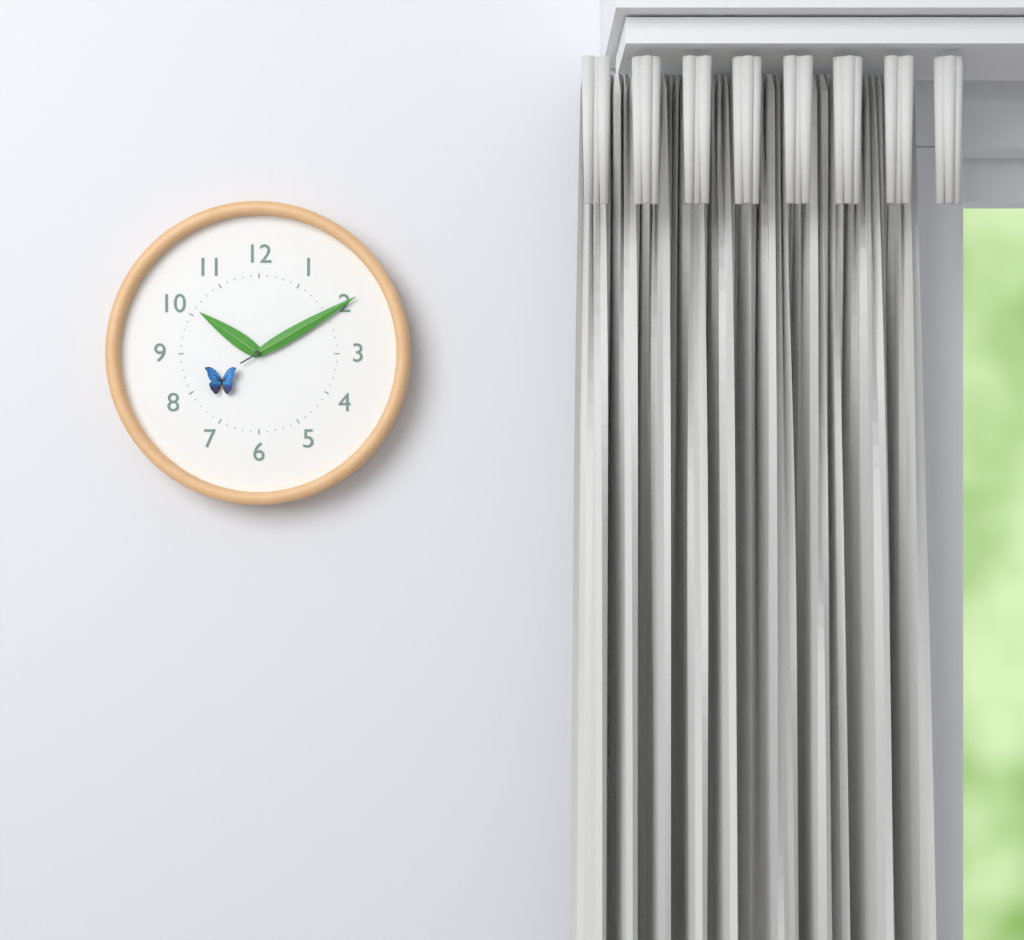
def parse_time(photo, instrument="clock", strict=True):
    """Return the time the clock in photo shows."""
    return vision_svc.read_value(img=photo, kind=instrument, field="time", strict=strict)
10:10
